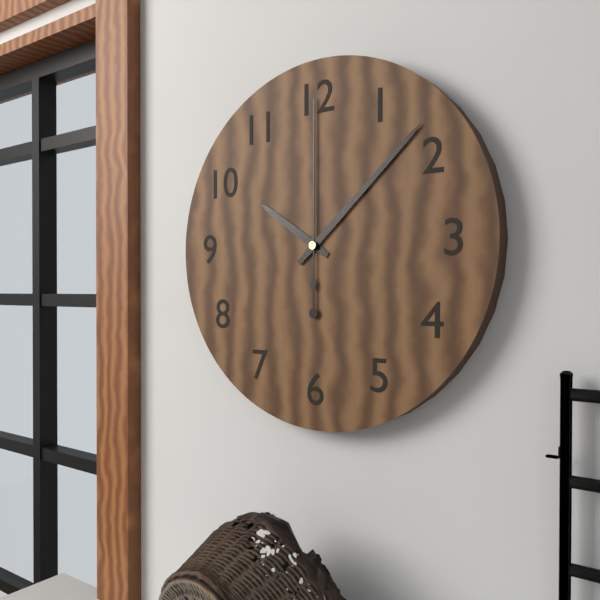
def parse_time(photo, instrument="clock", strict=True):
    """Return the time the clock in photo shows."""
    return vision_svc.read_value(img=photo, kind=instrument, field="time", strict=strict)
10:08:00
